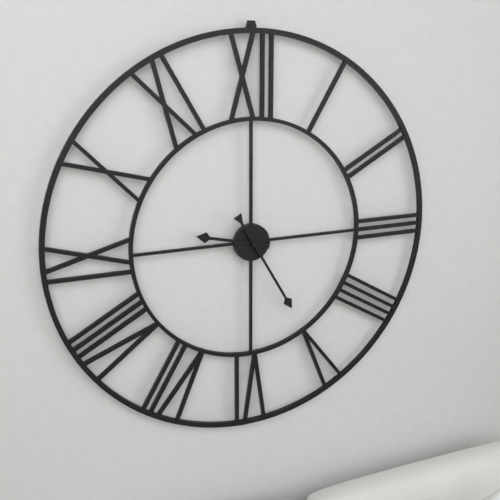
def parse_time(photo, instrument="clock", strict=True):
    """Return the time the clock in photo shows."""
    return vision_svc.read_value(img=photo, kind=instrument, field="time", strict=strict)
9:25
